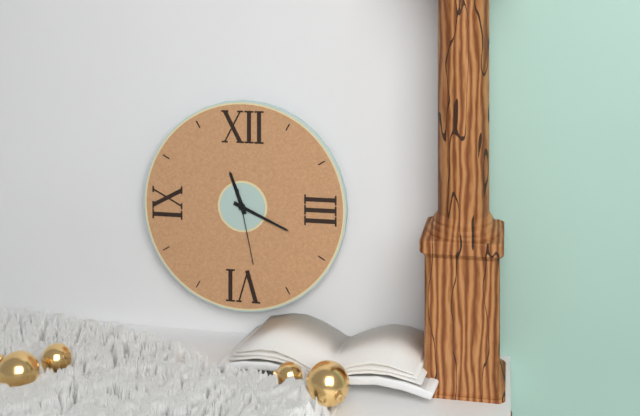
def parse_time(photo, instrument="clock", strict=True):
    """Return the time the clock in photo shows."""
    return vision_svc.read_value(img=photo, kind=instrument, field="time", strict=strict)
11:19:28
